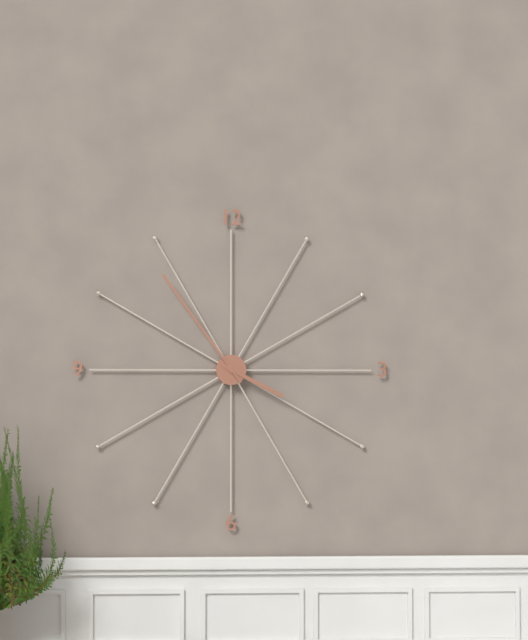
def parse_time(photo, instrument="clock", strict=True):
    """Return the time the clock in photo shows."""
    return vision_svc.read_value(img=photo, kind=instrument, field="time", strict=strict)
3:54
